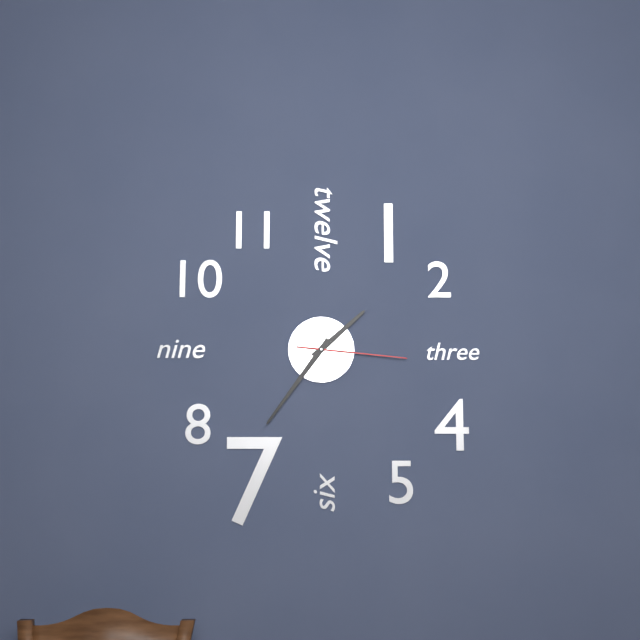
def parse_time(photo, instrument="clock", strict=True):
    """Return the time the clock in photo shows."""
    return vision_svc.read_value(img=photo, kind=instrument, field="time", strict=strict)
1:36:16
